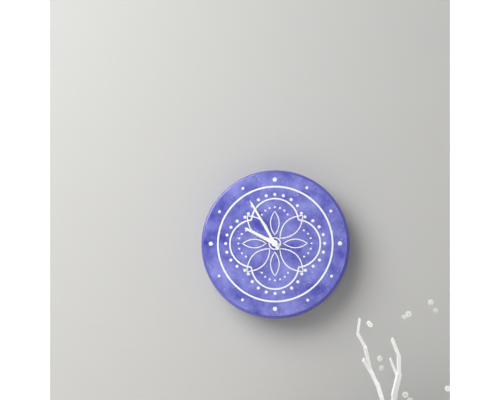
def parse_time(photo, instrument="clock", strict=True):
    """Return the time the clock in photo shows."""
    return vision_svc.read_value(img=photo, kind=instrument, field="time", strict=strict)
9:55
